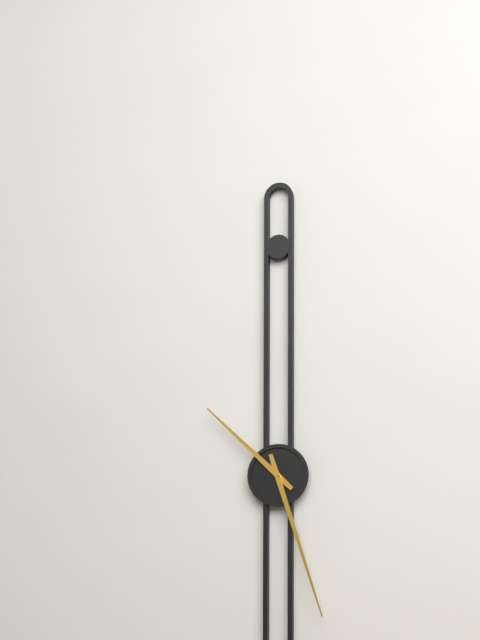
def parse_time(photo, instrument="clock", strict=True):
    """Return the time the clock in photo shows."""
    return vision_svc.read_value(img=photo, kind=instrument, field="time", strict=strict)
10:27
